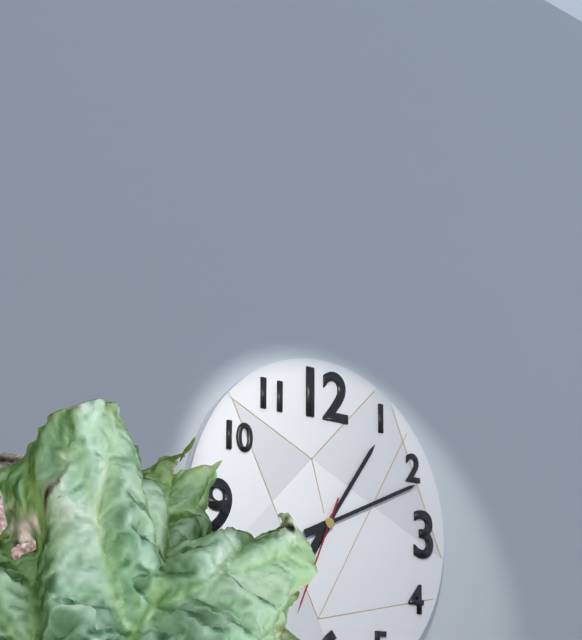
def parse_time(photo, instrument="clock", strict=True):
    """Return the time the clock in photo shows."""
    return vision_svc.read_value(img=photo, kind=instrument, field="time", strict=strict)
1:11:34
